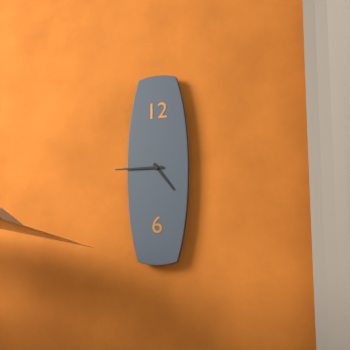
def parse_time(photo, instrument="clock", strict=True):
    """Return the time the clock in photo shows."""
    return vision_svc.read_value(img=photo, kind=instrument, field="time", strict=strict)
4:45
